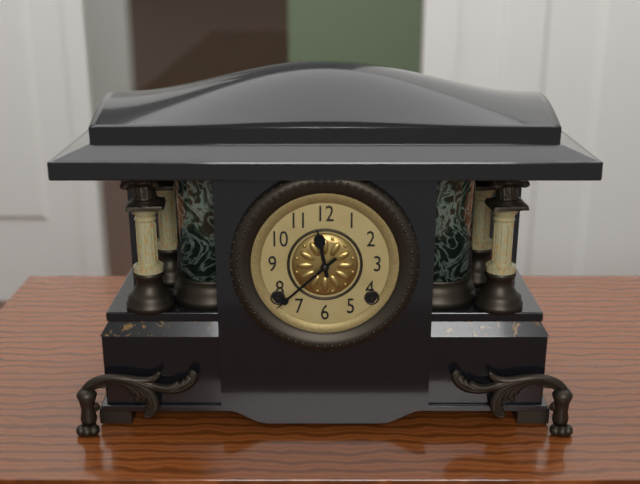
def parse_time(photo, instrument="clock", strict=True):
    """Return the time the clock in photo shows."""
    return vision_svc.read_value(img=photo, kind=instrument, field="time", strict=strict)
11:38
